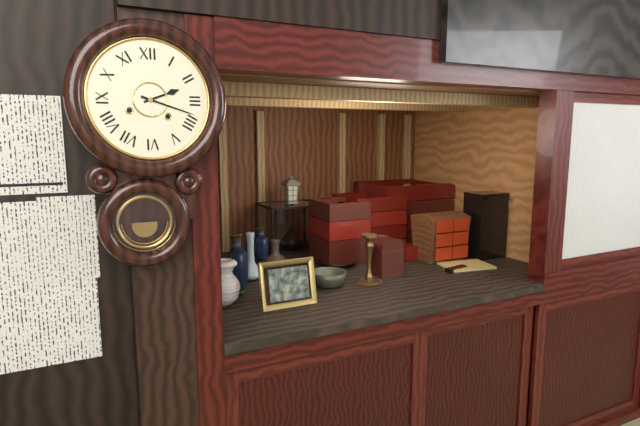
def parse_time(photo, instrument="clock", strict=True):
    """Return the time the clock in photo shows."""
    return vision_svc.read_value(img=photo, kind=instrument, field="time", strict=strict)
2:18
